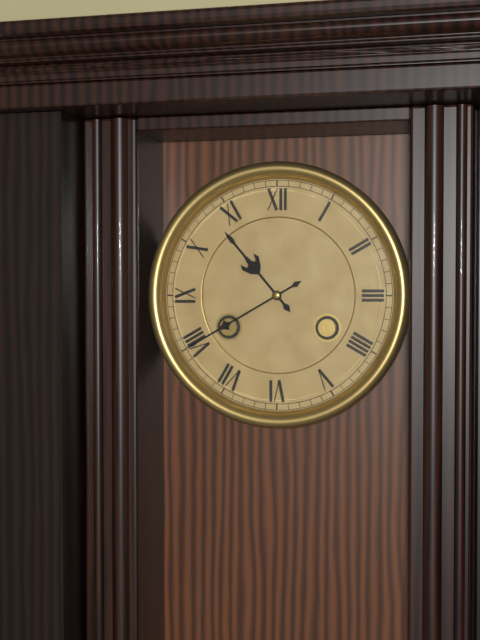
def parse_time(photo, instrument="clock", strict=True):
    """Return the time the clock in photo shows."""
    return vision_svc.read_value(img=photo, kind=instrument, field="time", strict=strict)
10:40
